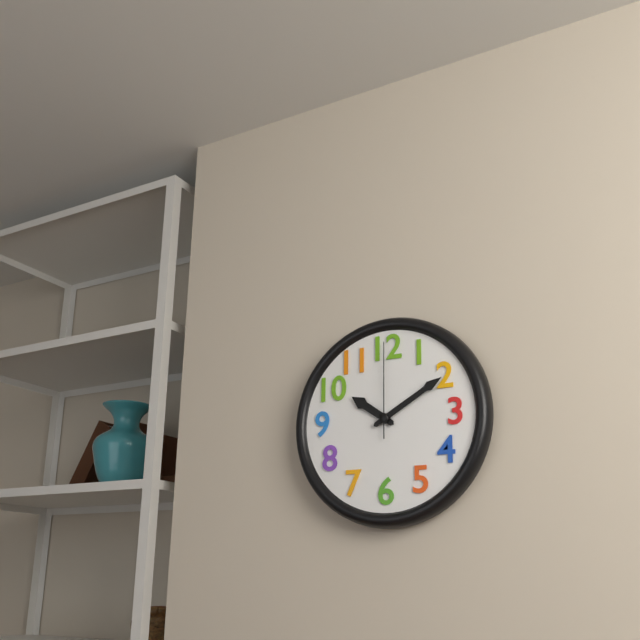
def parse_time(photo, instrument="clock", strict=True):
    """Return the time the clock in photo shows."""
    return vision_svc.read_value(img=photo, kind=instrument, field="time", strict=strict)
10:10:00
